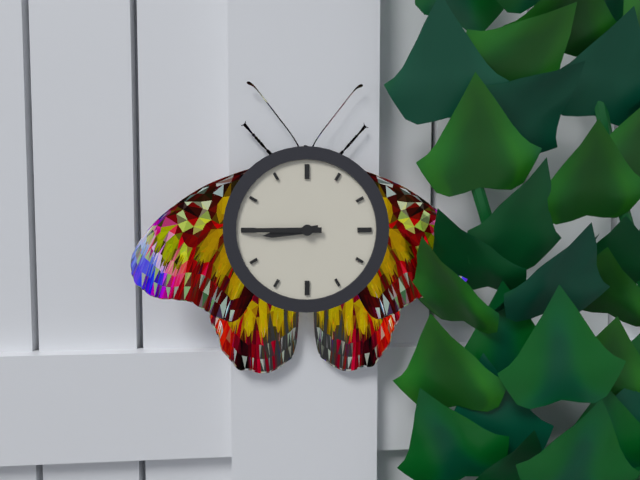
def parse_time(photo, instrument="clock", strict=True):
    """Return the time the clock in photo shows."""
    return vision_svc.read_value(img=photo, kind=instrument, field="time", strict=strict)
8:45
